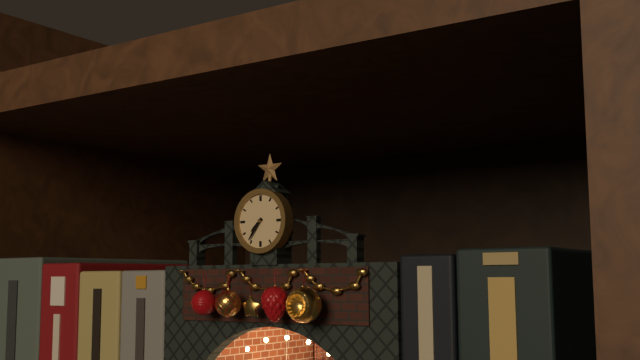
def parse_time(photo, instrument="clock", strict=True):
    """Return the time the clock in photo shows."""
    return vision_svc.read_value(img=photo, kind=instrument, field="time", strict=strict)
7:36
